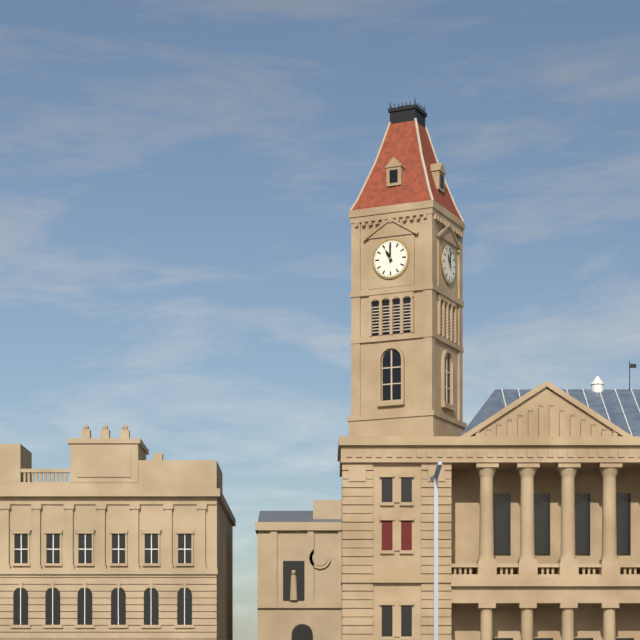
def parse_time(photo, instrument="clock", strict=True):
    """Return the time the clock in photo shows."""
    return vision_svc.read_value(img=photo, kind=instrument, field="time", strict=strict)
11:00
